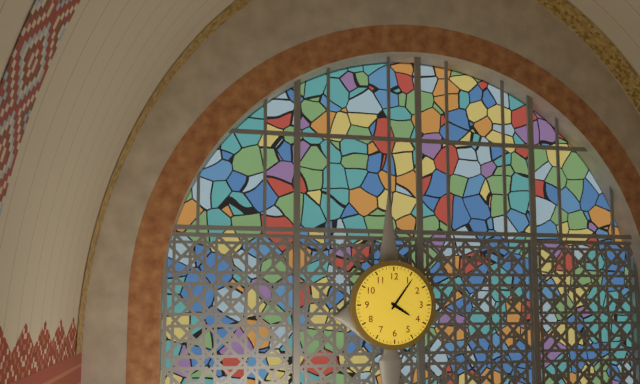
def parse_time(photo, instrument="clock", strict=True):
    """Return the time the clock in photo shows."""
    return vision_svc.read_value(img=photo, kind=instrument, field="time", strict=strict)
4:06
